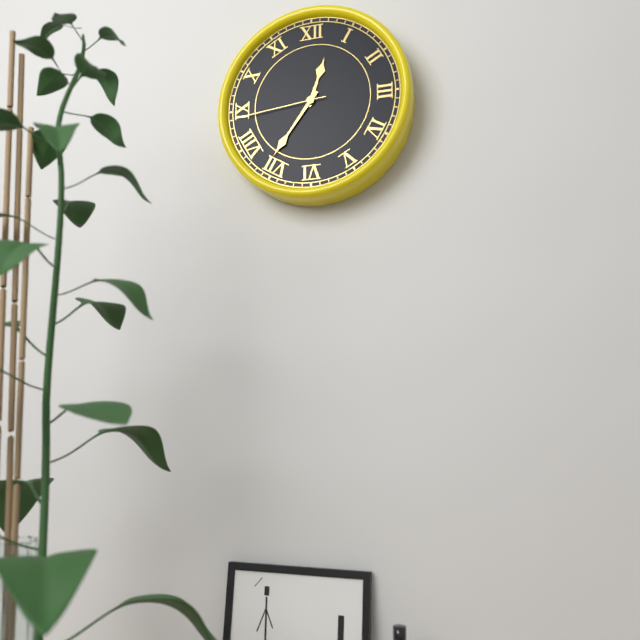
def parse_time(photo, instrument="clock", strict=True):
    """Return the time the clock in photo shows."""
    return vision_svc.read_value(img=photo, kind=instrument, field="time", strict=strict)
12:36:44
